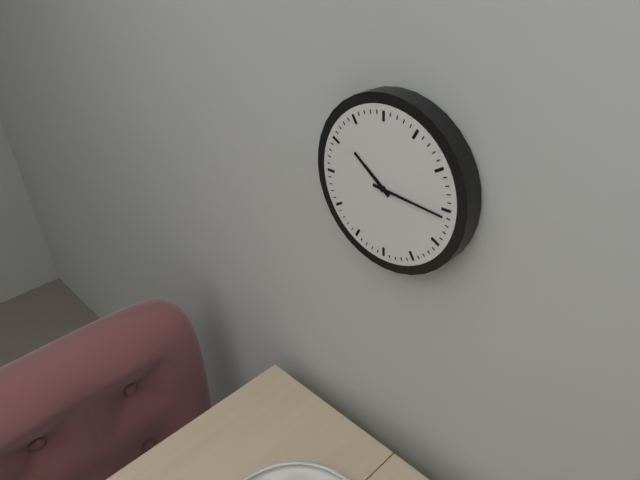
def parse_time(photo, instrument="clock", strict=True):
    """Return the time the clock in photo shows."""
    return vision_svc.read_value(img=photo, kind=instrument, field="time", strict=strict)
10:16
